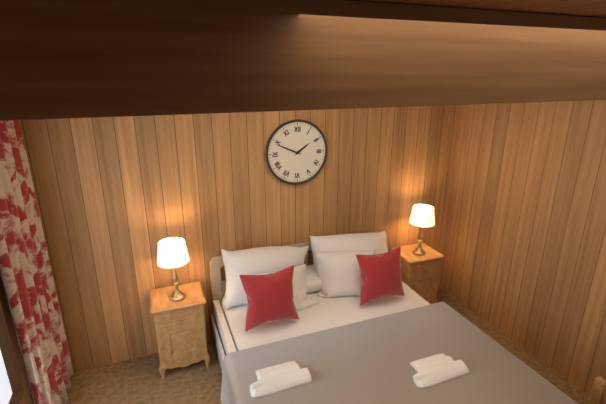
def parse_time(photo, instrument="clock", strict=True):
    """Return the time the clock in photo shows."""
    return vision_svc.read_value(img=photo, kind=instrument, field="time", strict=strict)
1:49
